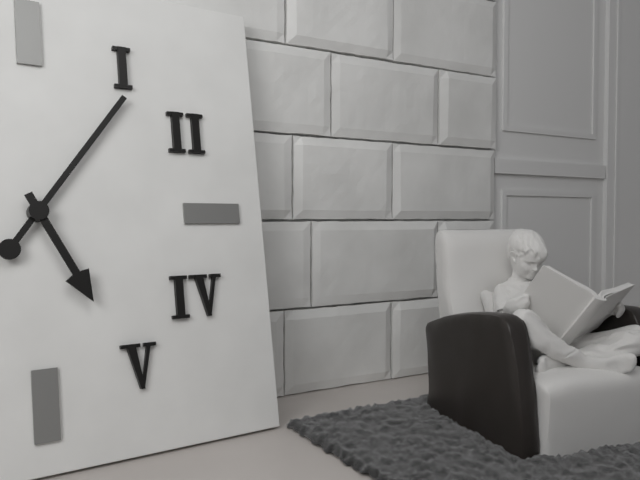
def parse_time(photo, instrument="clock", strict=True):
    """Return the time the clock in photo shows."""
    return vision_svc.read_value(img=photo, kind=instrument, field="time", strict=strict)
5:06
